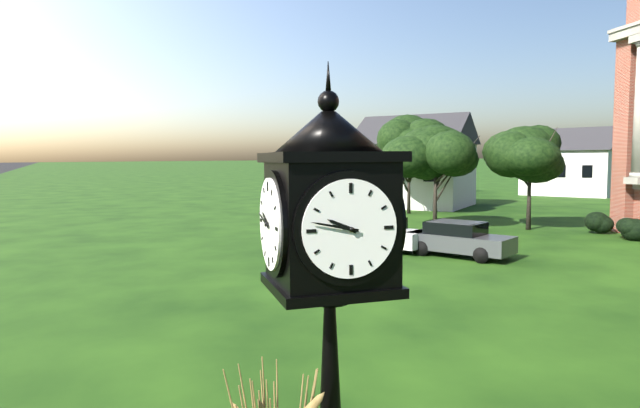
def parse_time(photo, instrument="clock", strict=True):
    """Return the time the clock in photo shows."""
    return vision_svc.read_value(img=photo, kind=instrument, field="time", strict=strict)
9:47
